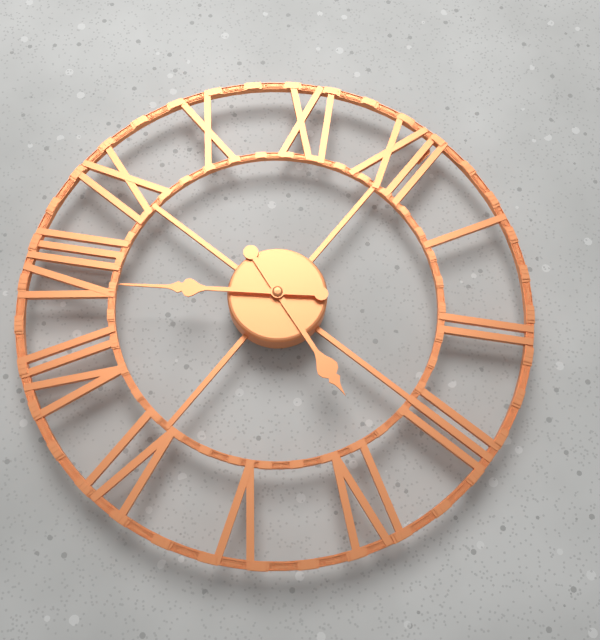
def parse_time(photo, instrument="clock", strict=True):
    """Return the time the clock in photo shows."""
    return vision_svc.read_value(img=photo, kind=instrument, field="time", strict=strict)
3:39
